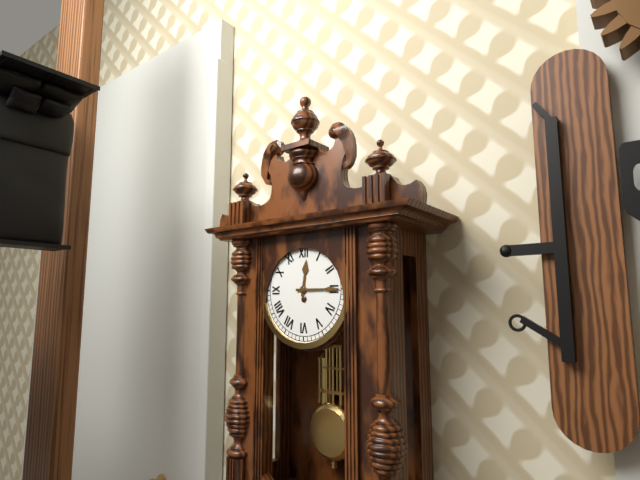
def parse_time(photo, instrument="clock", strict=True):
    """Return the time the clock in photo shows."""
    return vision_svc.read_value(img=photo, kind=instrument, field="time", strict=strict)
12:15
